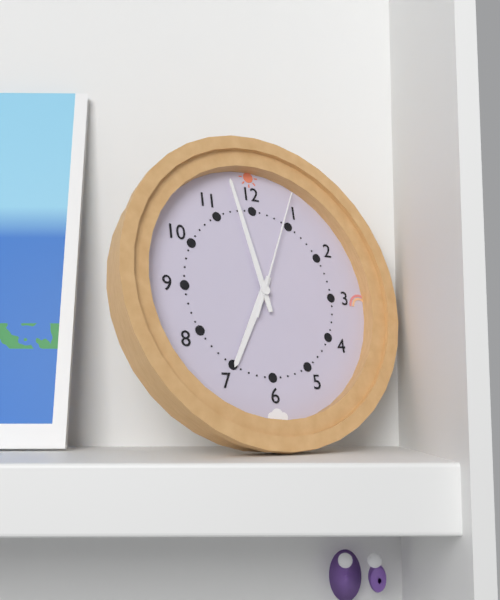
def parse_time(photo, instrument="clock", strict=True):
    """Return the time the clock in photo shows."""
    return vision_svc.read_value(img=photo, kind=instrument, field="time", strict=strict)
6:58:04
